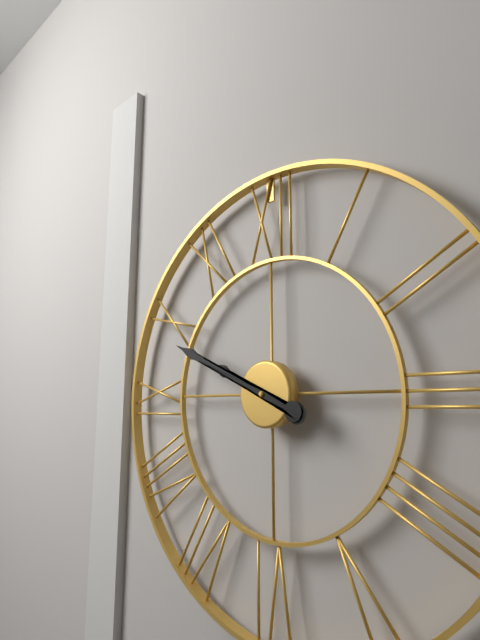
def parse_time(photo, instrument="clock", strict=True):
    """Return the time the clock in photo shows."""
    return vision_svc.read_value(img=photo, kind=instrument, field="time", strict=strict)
9:49
